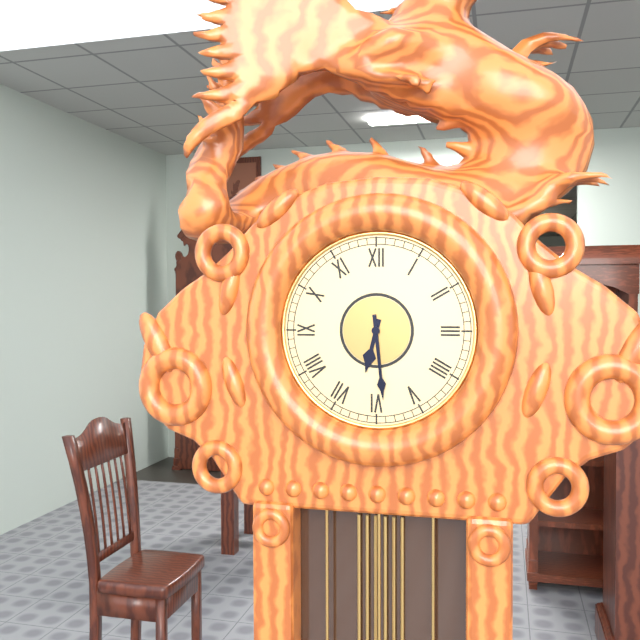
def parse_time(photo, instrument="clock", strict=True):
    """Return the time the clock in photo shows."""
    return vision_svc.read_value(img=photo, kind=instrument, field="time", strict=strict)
6:29
